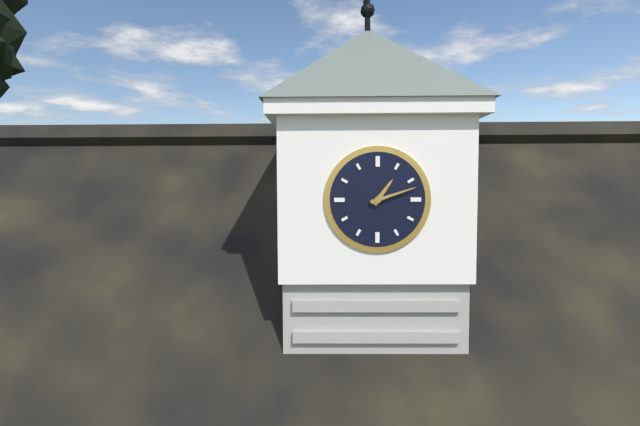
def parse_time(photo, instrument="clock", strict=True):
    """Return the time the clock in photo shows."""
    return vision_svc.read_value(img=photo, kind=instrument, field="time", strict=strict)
1:12
